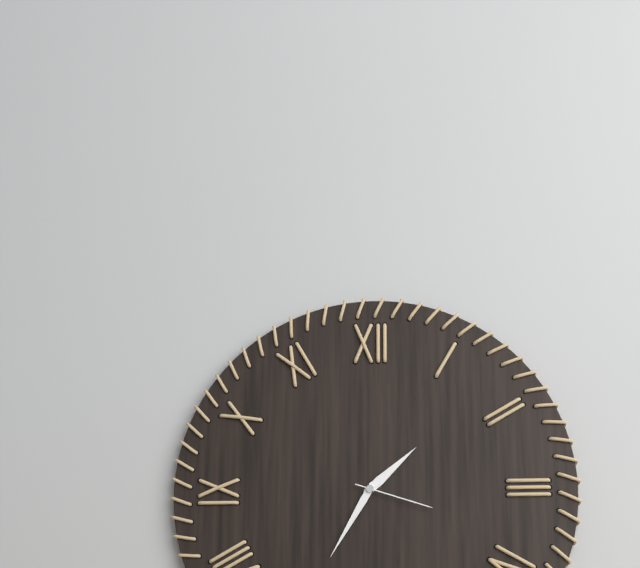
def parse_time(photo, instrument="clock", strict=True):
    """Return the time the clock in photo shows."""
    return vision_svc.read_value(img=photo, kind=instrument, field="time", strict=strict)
1:35:18
